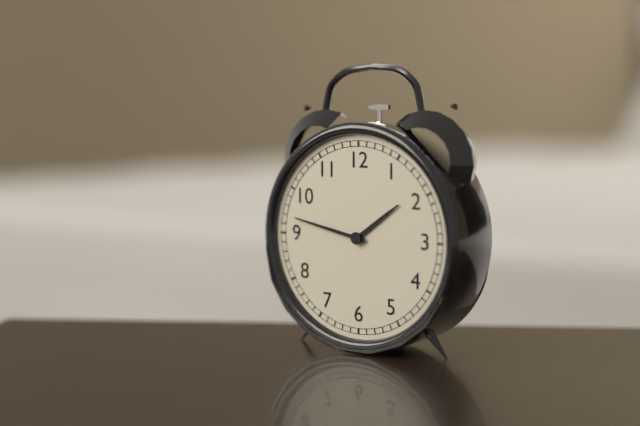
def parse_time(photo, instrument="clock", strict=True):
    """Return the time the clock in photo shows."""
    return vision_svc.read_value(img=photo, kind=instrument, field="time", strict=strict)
1:47
